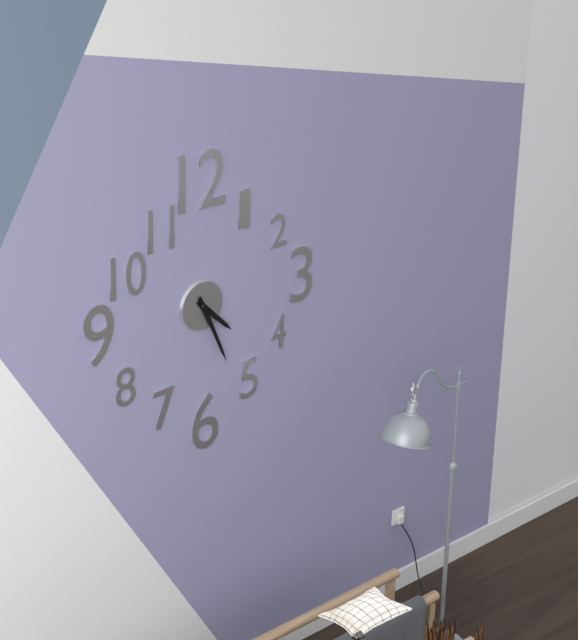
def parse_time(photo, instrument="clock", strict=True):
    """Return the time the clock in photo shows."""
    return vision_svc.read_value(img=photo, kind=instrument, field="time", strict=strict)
4:26
